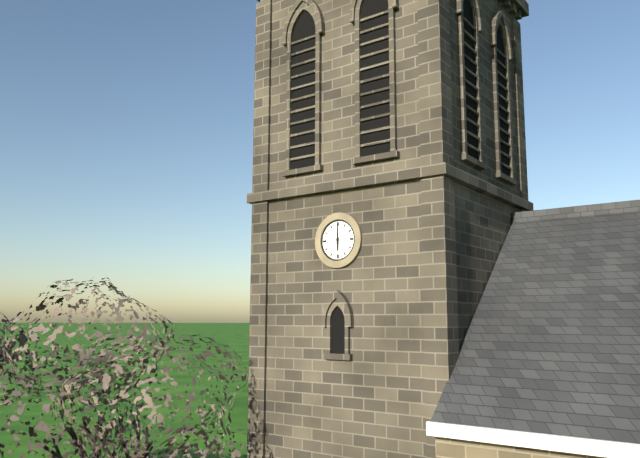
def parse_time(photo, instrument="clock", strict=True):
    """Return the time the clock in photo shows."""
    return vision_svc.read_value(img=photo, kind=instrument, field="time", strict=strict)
6:00
